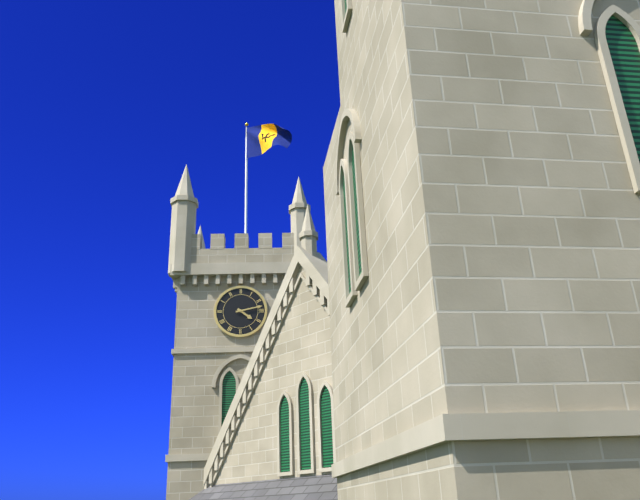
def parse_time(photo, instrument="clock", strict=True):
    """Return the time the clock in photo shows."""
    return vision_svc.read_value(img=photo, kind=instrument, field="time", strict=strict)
4:13
